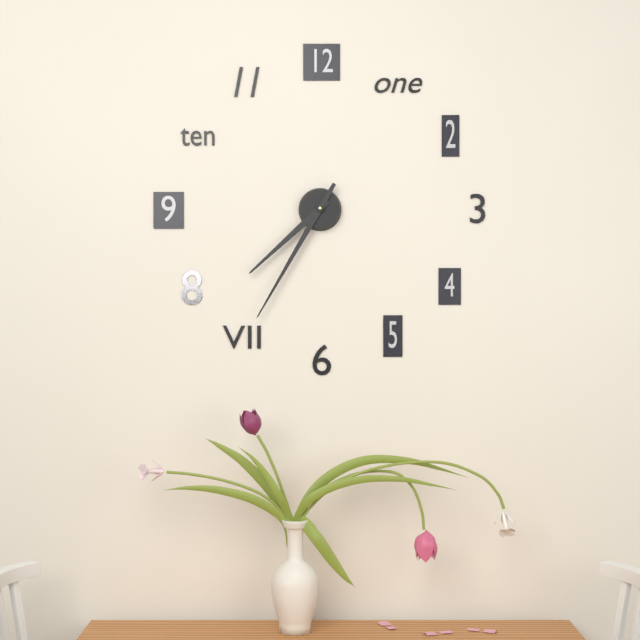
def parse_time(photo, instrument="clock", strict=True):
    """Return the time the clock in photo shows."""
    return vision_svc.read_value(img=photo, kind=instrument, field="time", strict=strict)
7:35
